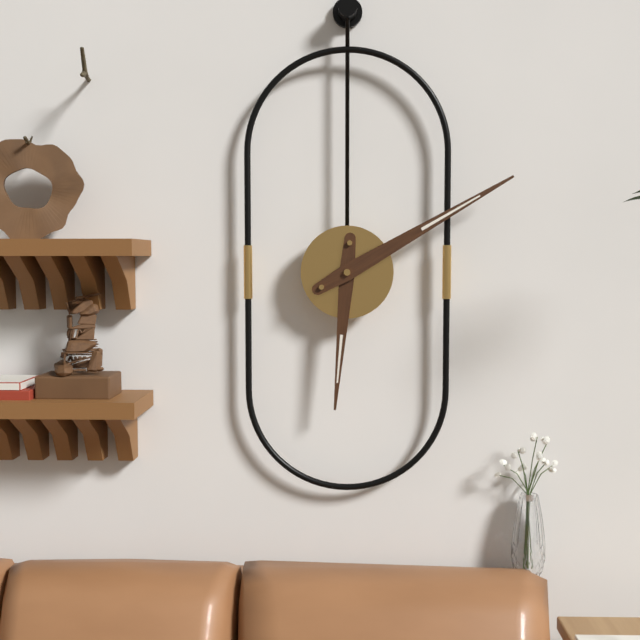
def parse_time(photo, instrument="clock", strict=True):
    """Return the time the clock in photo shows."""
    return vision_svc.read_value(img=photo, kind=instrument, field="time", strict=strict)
6:10
